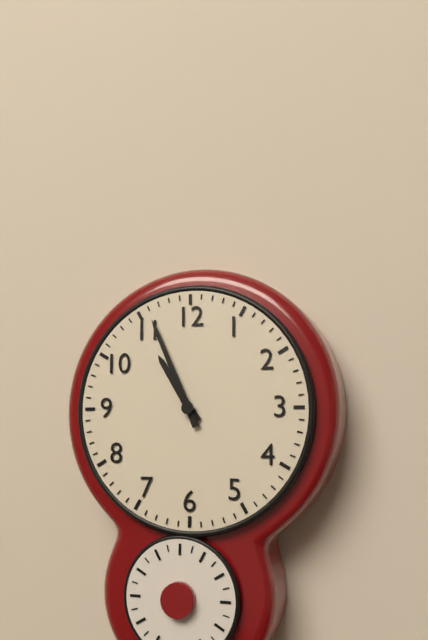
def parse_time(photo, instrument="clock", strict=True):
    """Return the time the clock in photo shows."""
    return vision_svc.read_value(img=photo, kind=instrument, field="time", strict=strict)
10:56
